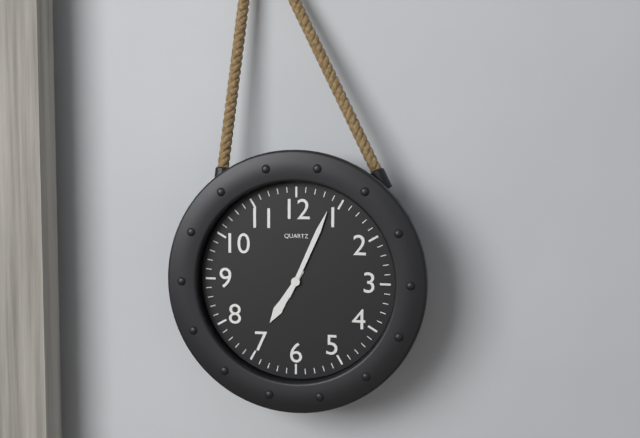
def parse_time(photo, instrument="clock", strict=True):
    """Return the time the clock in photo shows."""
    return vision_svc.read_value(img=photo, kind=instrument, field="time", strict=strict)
7:04
